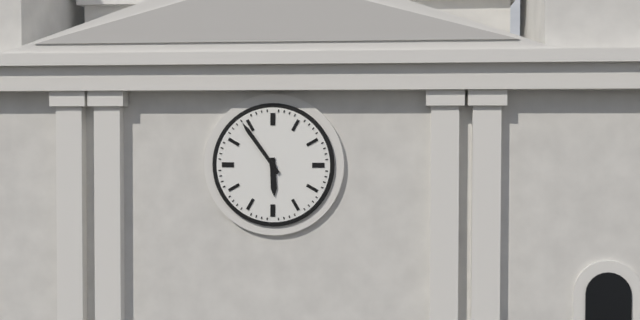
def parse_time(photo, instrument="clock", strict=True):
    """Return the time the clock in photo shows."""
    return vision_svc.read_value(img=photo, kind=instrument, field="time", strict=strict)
5:54
